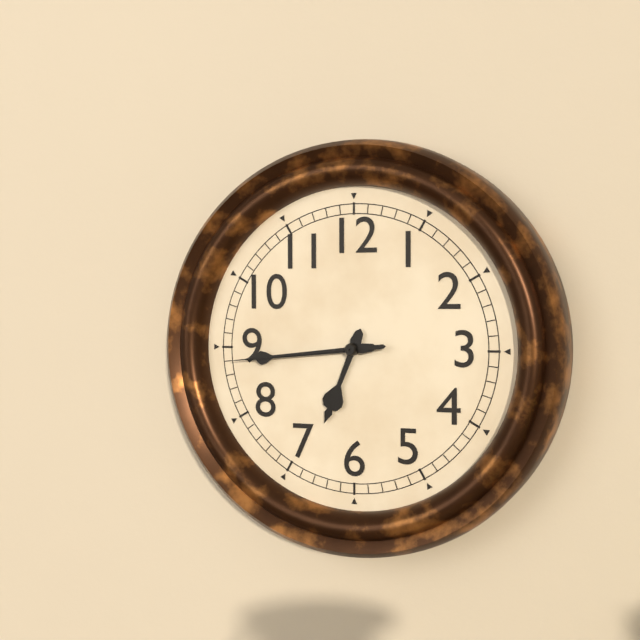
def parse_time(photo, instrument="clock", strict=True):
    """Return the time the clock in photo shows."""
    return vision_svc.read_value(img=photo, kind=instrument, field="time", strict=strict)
6:44:44
